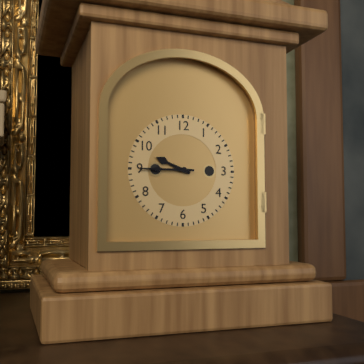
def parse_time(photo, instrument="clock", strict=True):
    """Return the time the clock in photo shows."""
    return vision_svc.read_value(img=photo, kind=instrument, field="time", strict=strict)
9:45
